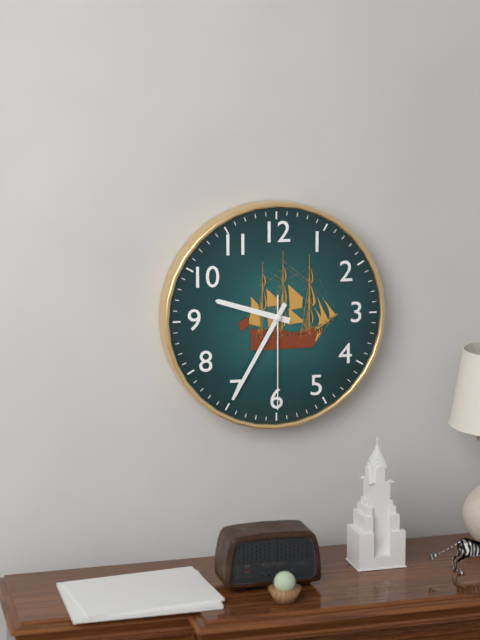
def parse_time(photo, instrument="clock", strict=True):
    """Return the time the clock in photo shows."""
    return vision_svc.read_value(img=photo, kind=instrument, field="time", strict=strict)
9:35:30
